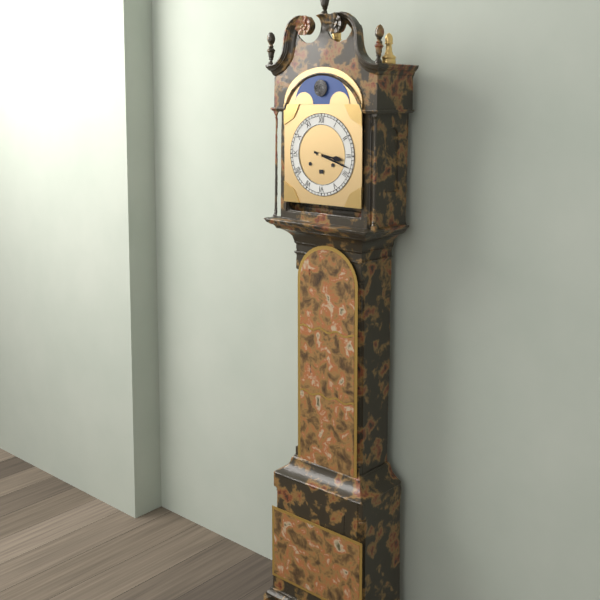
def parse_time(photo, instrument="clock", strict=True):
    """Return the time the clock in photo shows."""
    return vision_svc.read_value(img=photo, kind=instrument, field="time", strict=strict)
3:18
